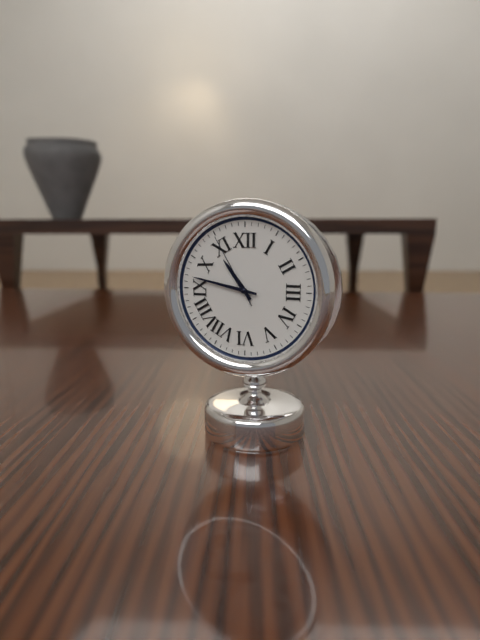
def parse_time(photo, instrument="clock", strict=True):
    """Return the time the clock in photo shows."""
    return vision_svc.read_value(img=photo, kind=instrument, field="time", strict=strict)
10:47:55
